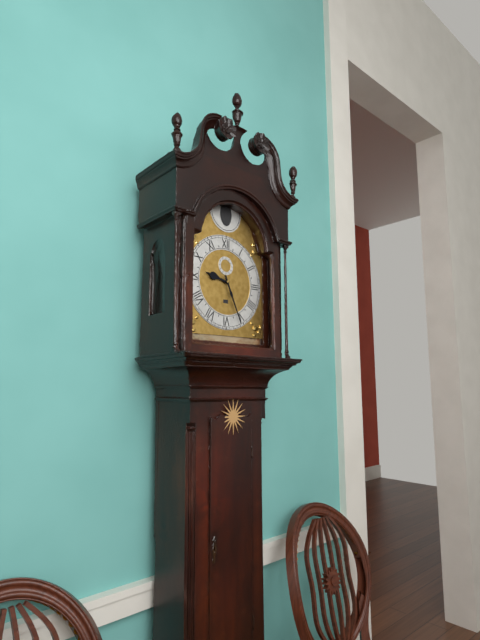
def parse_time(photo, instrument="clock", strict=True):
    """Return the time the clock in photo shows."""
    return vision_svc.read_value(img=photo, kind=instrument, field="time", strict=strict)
9:26
